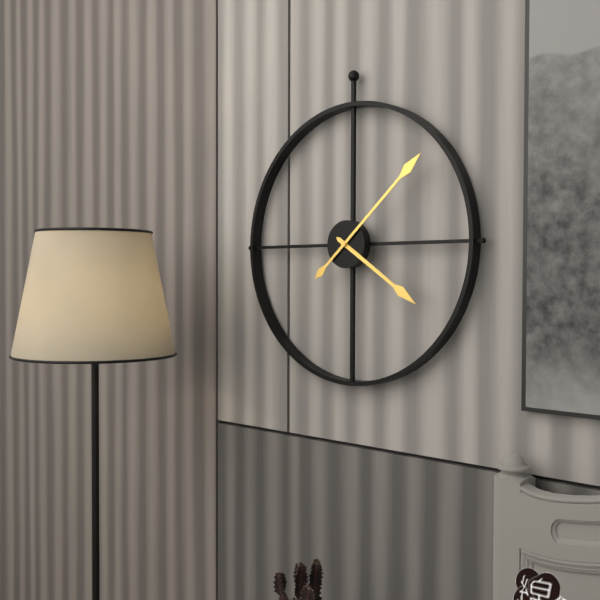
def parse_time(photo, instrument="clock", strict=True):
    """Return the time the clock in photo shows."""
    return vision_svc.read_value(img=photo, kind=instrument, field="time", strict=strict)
4:08
